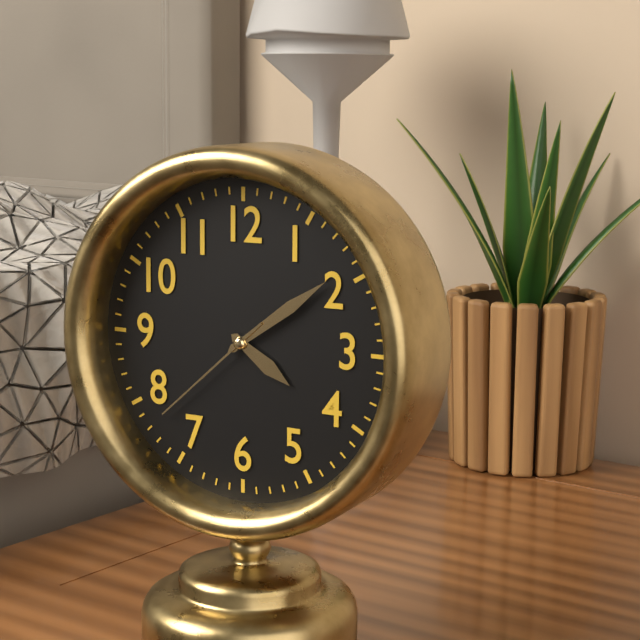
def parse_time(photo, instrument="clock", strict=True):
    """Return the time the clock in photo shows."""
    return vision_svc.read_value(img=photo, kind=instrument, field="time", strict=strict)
4:09:38
